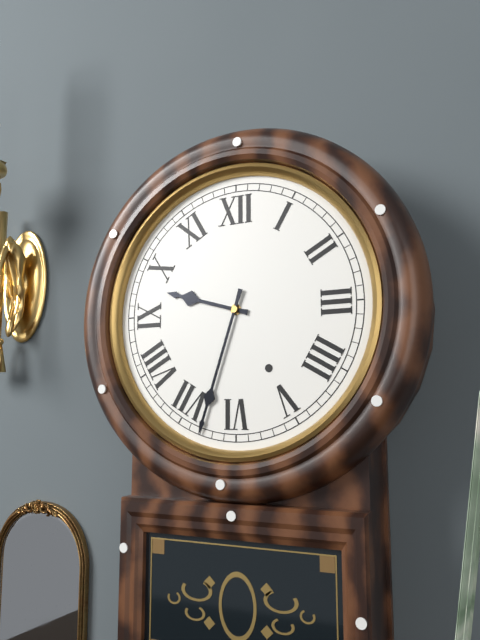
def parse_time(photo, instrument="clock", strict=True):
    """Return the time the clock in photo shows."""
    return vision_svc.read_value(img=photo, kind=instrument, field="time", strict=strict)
9:33
